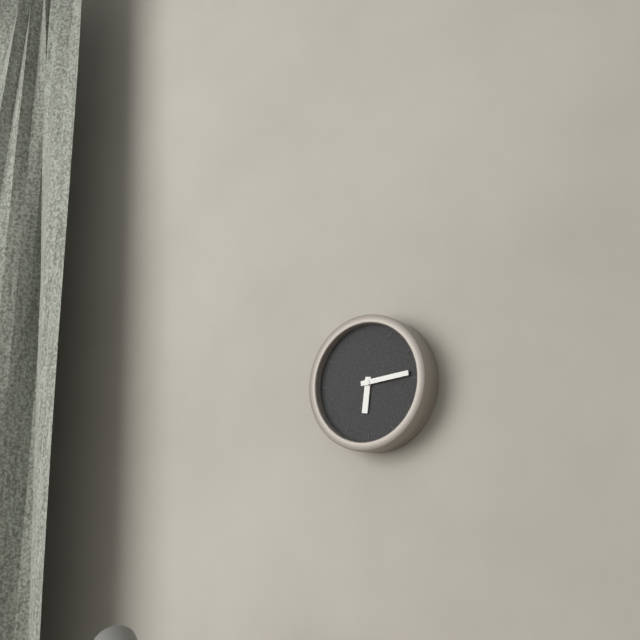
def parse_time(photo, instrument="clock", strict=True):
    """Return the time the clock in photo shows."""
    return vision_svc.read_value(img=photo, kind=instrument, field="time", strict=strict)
6:14
